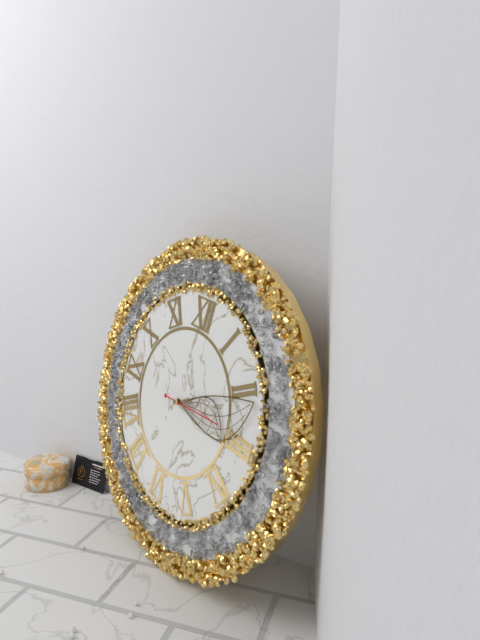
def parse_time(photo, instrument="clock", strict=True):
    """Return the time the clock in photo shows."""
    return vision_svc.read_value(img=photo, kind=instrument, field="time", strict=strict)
3:11
